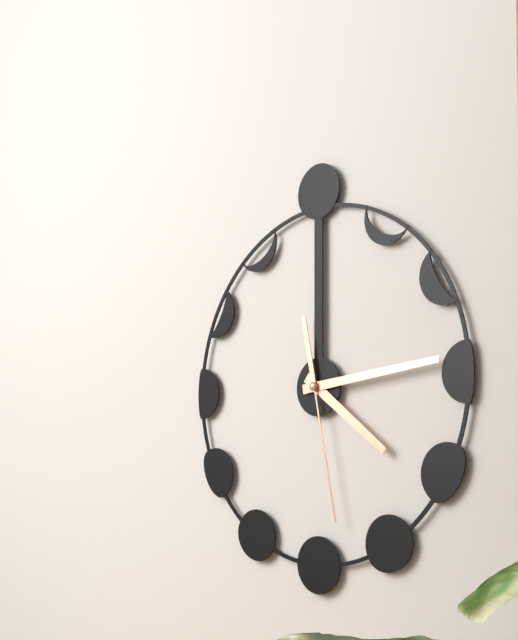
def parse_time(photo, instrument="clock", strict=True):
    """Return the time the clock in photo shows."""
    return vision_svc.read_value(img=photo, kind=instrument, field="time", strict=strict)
4:14:28
